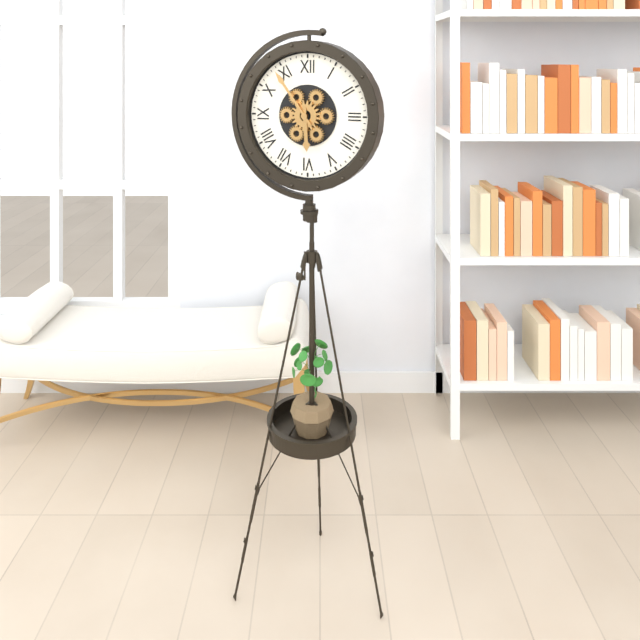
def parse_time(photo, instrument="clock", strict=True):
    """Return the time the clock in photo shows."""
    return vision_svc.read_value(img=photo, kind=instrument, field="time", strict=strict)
5:54
